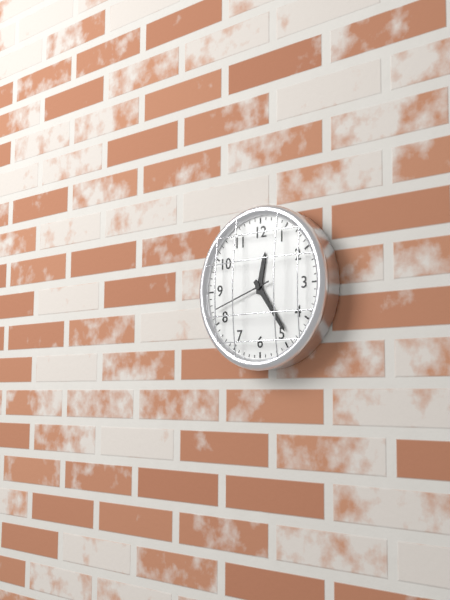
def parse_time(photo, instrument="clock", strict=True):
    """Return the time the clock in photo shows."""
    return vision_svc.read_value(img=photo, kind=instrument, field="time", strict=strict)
12:24:42
